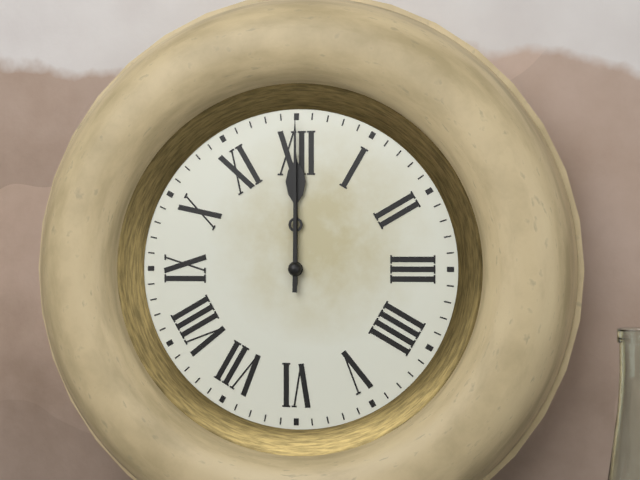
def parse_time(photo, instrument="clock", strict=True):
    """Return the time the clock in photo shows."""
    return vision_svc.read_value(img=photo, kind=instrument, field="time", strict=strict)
12:00
